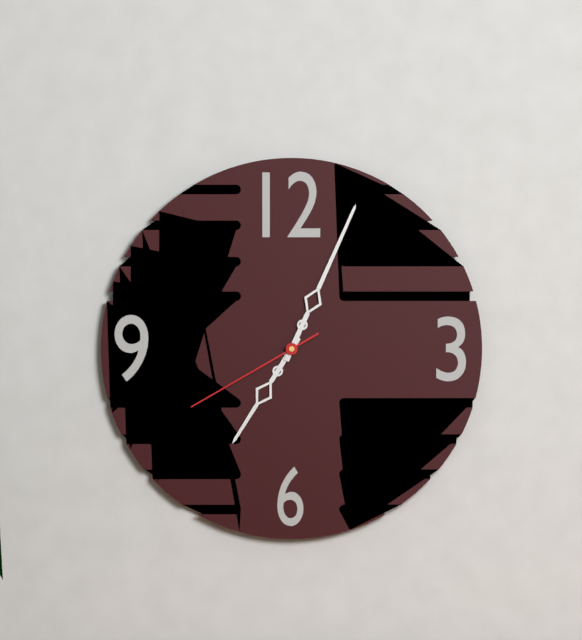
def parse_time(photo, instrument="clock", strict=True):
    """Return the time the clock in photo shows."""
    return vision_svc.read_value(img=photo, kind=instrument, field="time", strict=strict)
7:04:40
